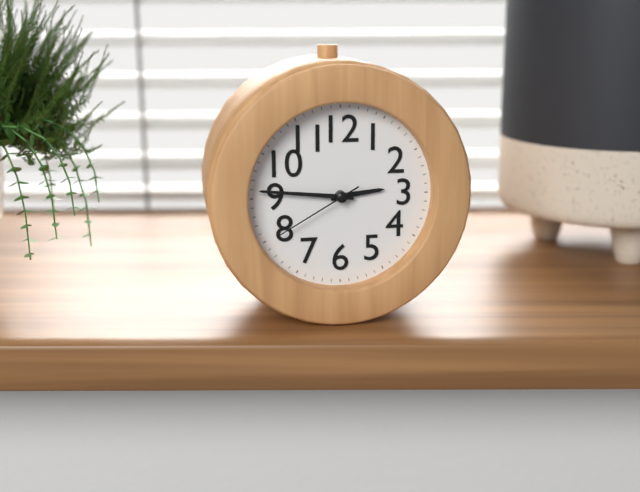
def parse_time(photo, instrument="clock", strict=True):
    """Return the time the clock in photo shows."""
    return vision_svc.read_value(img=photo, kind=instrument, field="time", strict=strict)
2:46:40
